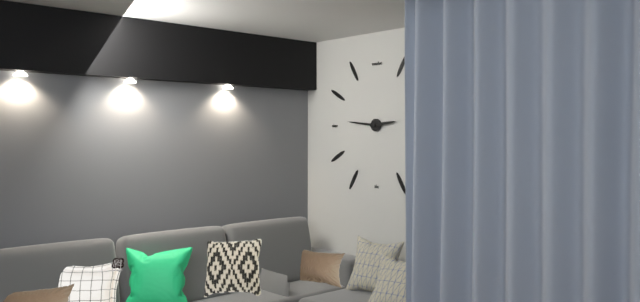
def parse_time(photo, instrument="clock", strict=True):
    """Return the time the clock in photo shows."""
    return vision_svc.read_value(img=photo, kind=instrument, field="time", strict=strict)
2:46
